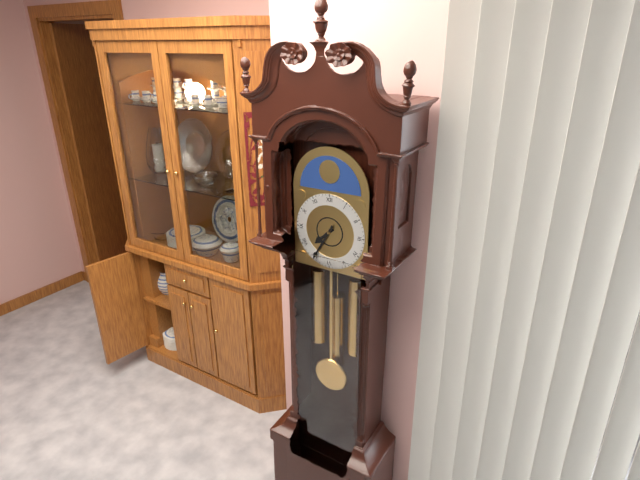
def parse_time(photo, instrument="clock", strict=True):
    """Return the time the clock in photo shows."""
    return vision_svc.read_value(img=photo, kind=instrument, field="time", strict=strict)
7:35
